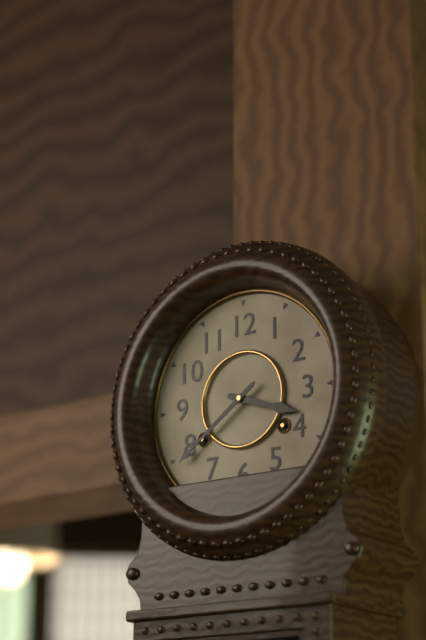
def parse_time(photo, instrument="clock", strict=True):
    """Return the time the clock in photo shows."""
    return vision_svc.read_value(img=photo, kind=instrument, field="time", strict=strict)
3:39
